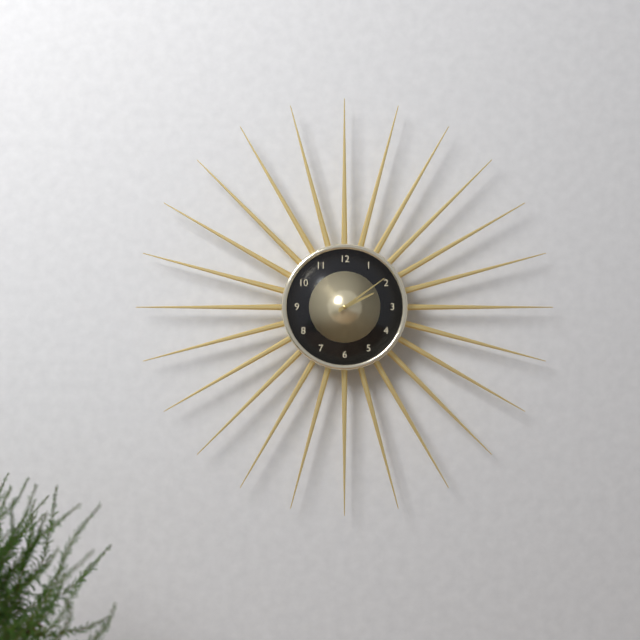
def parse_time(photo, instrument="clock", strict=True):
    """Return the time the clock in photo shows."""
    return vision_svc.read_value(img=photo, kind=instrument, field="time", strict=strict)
2:09
